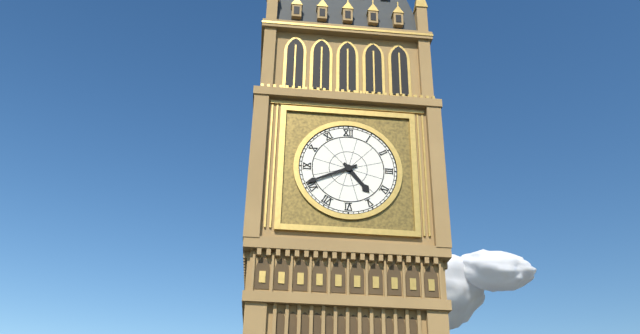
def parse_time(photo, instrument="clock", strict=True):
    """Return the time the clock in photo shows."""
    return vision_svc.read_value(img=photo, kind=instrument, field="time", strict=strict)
4:41
